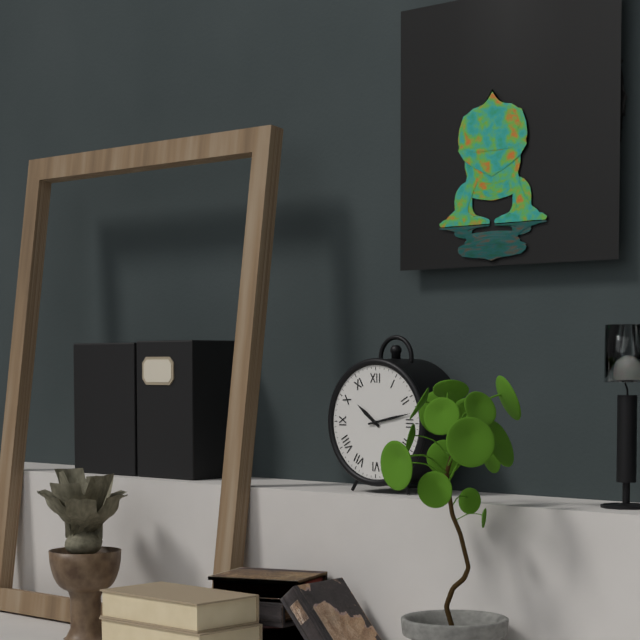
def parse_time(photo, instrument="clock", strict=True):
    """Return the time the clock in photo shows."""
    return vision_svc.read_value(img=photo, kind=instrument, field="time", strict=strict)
10:13
